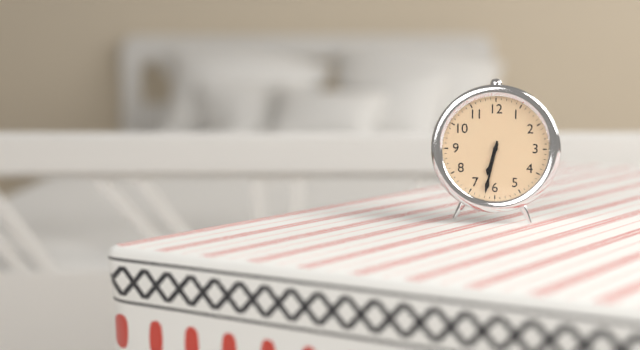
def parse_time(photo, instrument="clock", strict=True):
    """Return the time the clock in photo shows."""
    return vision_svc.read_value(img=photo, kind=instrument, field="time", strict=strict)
6:32
